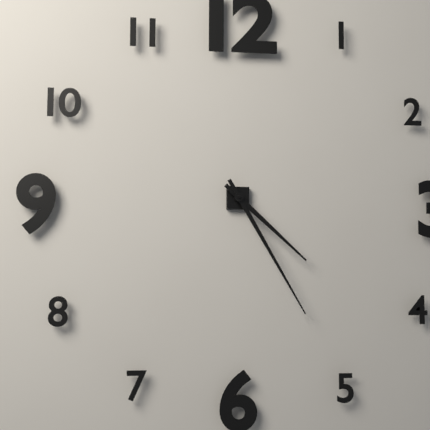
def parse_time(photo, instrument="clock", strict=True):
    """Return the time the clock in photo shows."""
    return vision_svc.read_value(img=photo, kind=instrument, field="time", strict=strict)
4:25
